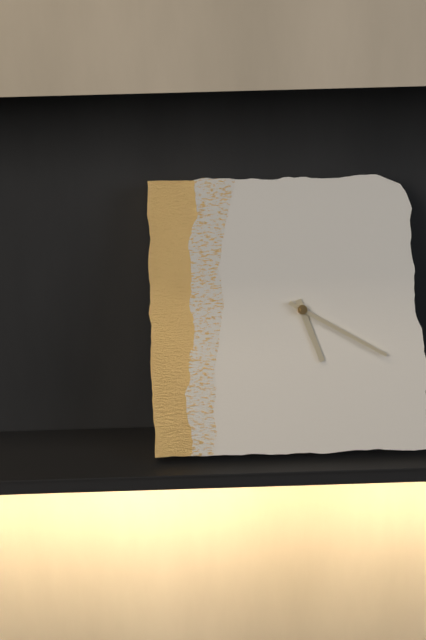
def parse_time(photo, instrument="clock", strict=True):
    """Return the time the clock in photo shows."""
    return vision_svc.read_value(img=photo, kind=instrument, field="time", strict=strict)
5:20
